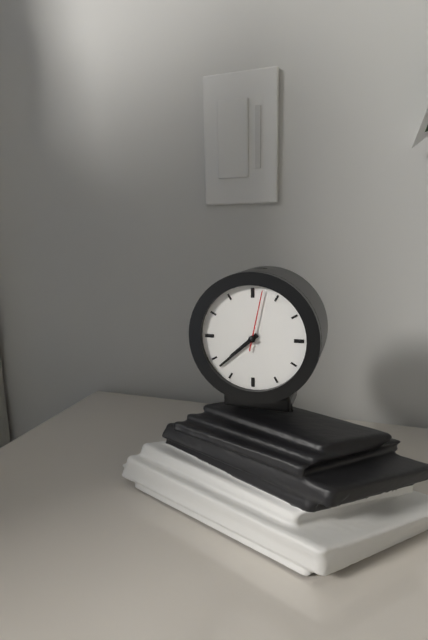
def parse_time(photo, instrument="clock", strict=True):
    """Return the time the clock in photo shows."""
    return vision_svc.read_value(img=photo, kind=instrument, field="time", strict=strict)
7:38:02
